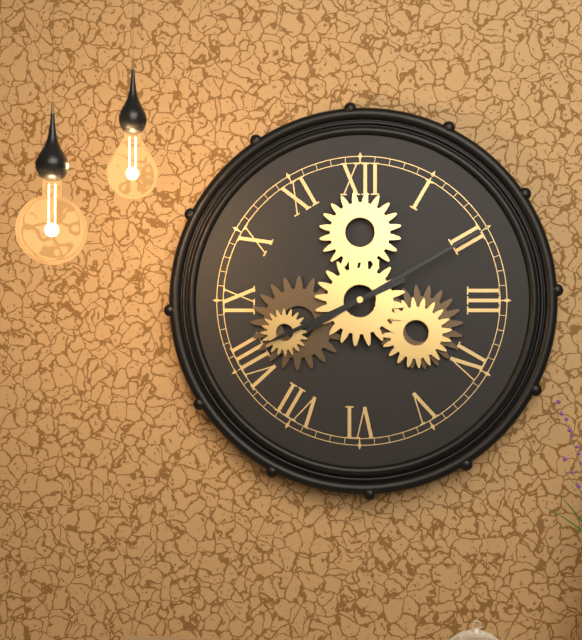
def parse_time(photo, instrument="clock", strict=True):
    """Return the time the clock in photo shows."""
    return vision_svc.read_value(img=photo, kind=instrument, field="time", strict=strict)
8:10
